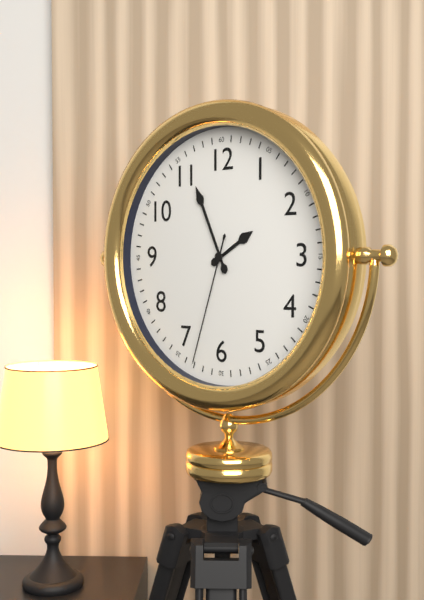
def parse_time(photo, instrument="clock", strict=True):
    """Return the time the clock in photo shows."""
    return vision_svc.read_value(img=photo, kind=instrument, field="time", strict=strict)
1:56:33
